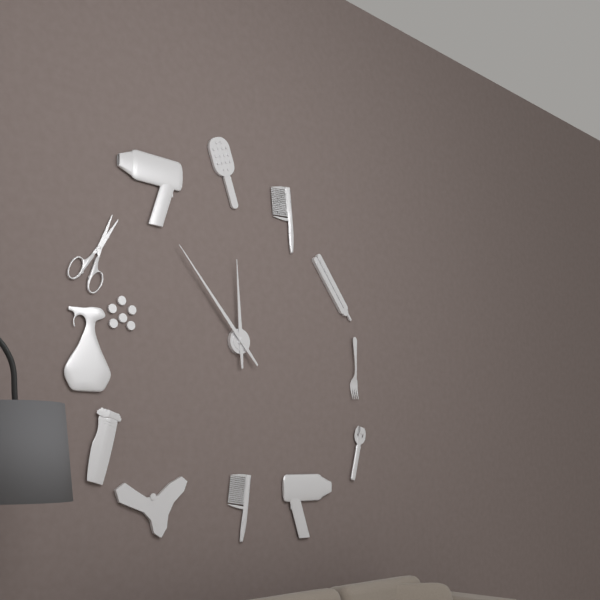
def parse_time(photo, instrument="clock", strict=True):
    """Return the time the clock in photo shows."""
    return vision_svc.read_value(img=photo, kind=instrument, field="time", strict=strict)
11:53
